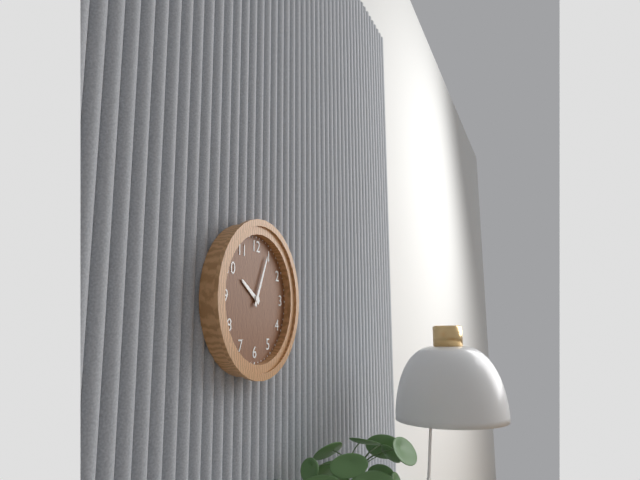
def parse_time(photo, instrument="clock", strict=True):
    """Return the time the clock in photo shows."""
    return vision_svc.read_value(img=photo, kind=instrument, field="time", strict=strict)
10:04
